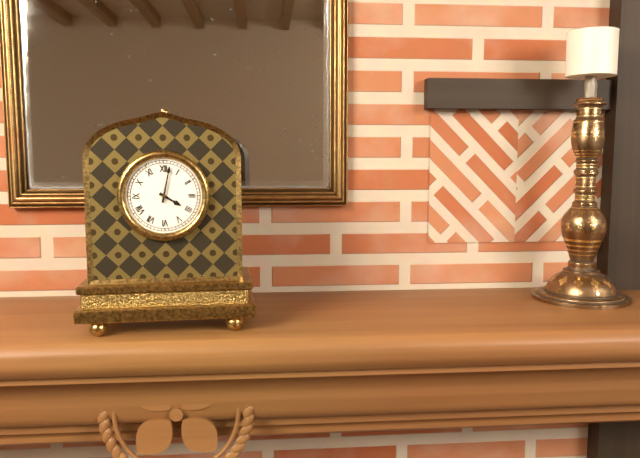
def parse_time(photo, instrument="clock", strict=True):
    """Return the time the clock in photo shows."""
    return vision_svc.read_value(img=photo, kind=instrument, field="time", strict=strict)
4:02
